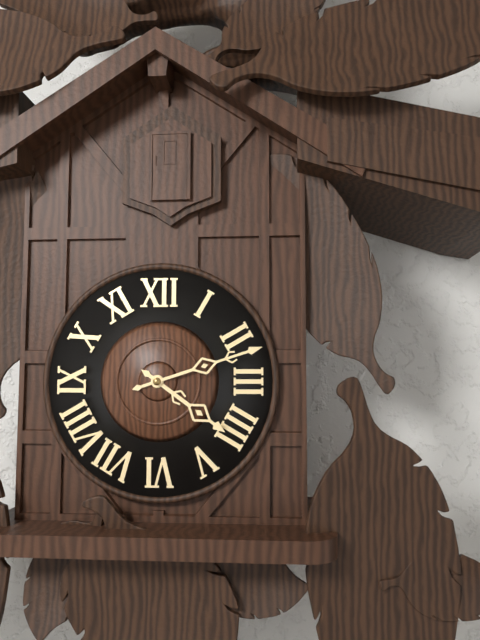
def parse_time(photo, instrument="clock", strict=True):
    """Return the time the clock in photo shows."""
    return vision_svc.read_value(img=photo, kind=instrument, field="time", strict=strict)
4:12
